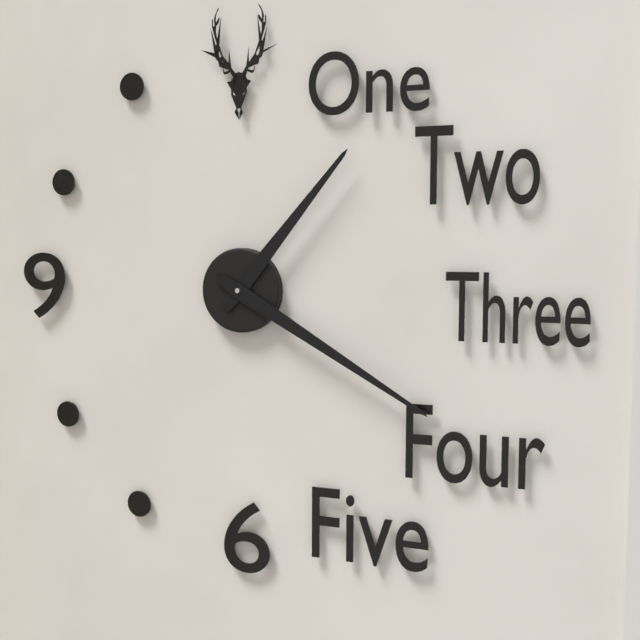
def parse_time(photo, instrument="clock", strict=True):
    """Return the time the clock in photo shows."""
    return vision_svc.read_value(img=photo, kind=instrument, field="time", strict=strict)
1:20
